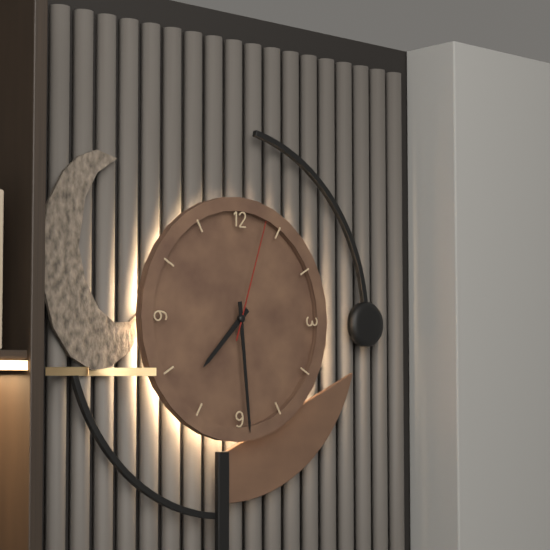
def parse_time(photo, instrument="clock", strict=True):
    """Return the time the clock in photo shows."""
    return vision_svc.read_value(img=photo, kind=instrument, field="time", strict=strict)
7:29:03
